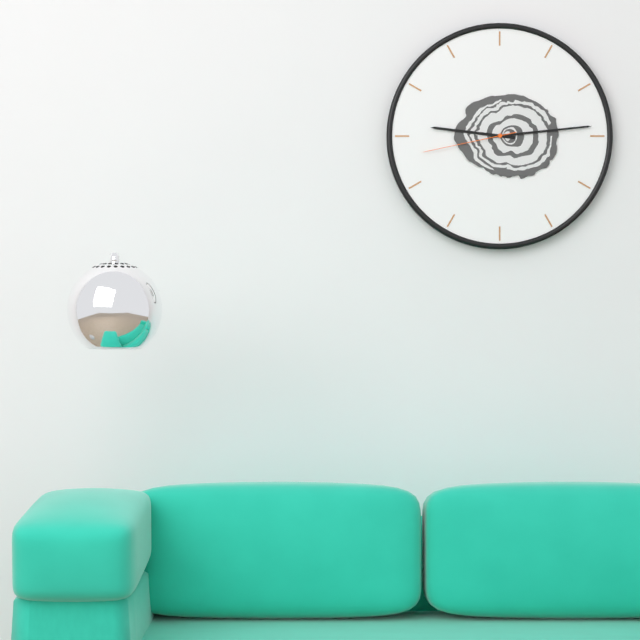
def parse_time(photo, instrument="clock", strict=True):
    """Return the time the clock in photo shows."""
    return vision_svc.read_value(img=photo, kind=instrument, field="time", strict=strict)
9:14:43
